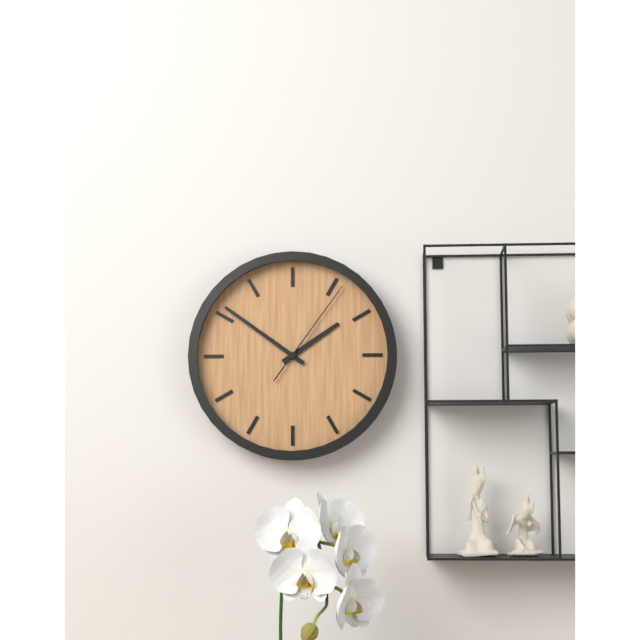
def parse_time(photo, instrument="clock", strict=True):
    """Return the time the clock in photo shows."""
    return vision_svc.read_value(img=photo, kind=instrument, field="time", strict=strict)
1:51:06
